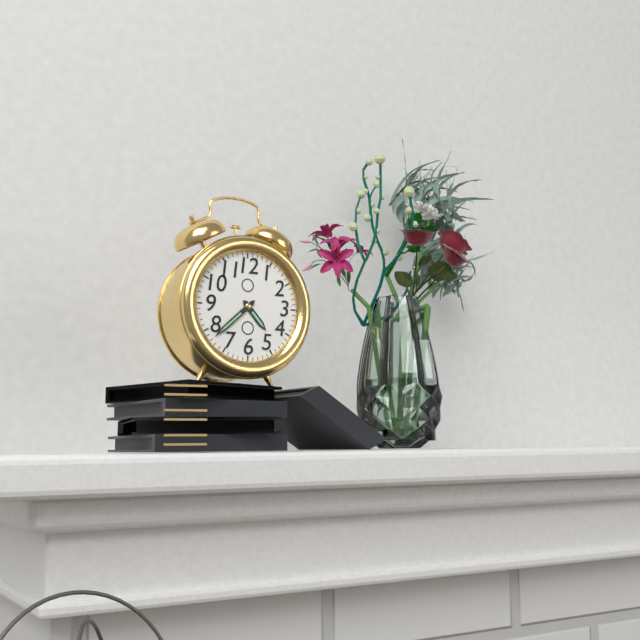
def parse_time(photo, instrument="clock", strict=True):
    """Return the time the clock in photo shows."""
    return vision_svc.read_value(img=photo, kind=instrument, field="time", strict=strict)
4:38
